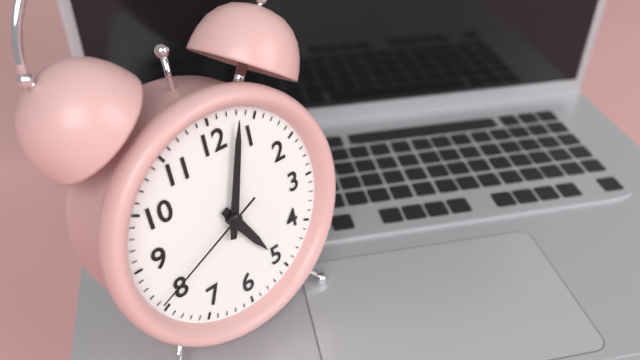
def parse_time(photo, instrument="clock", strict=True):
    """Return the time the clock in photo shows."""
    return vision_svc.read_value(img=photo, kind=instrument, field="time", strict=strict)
5:03:41
